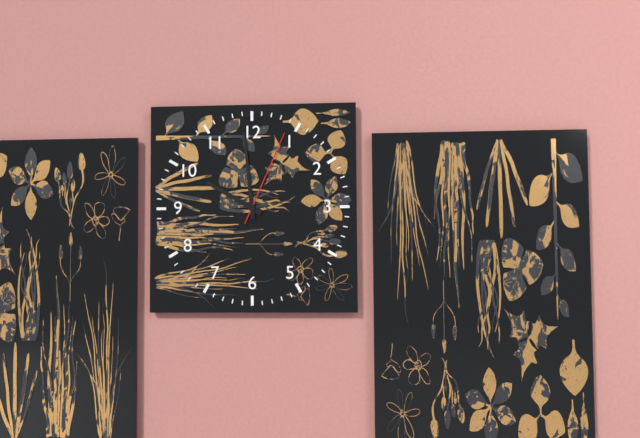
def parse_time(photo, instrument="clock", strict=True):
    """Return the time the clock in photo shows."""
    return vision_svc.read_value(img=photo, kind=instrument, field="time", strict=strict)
9:59:04
